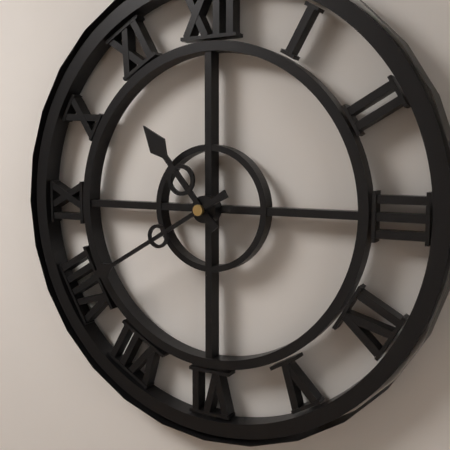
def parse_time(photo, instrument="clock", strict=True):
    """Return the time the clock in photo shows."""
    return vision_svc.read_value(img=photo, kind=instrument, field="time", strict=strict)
10:40
